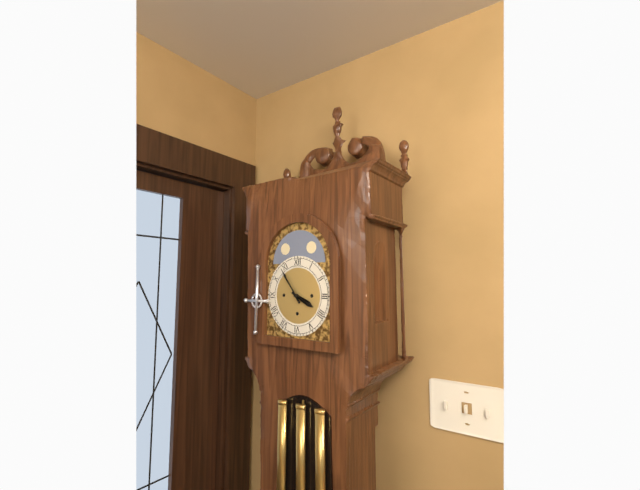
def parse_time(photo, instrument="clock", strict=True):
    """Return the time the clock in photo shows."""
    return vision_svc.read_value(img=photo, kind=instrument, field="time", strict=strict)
3:54
